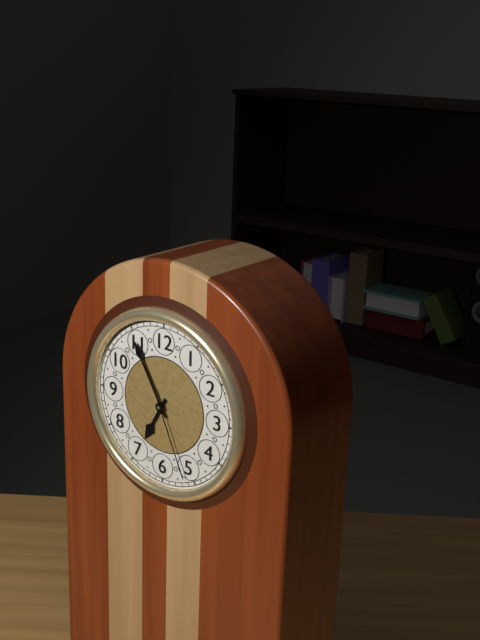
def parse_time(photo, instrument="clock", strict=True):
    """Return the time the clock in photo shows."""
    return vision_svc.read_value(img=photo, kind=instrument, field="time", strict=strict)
6:55:26
